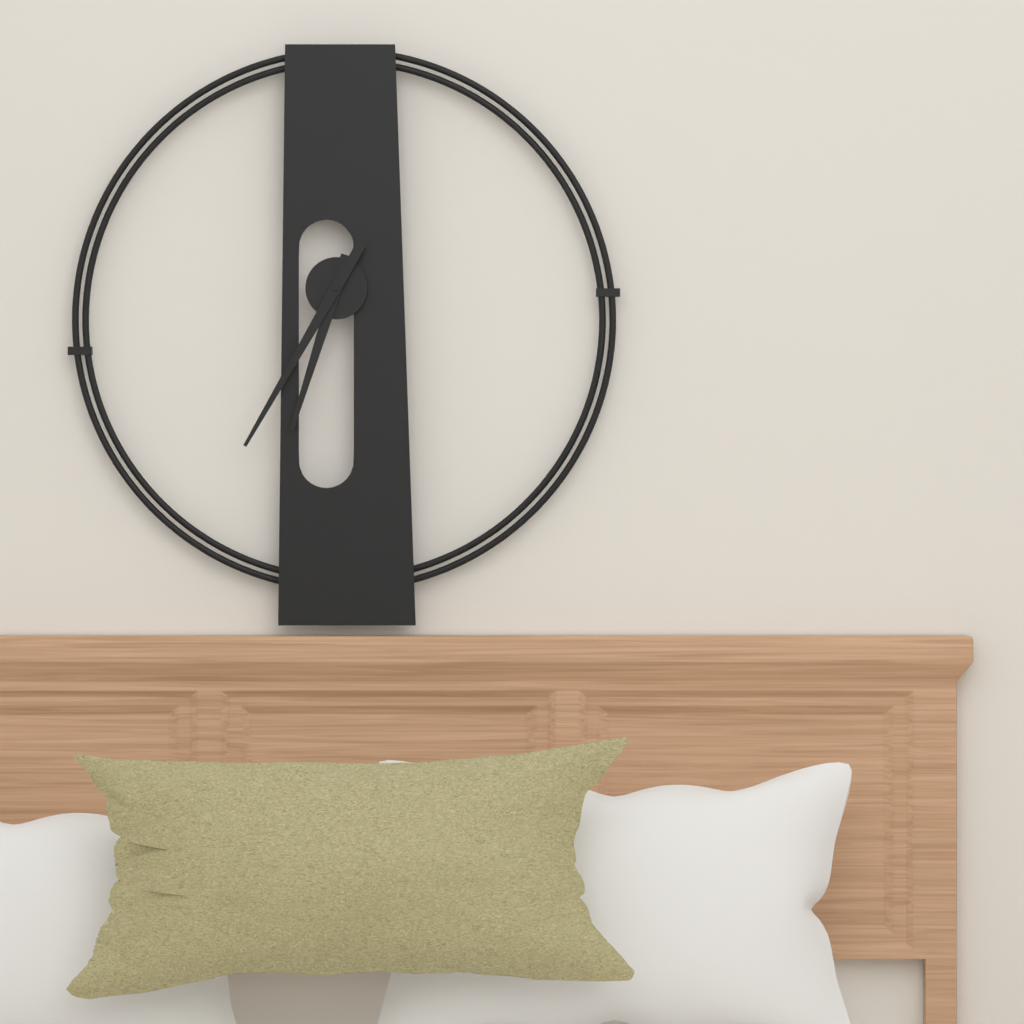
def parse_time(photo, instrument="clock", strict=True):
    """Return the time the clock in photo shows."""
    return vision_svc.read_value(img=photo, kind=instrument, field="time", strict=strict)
6:35
